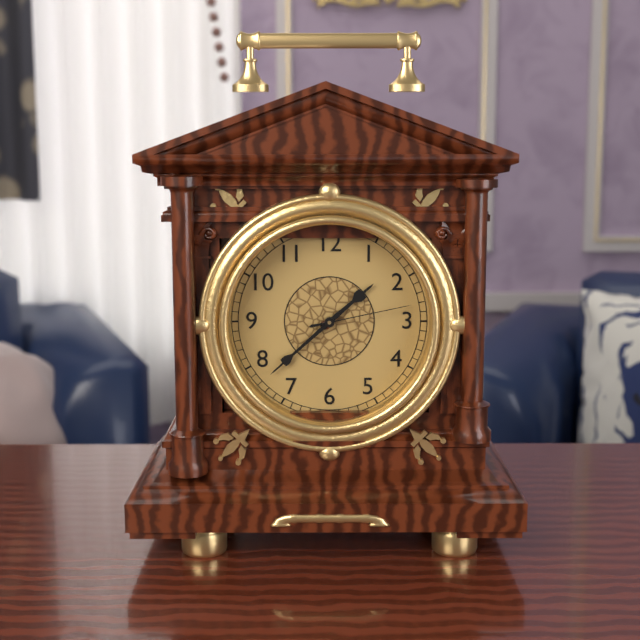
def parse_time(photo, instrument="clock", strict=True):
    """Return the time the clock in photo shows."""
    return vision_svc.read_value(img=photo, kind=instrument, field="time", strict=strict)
1:38:13
